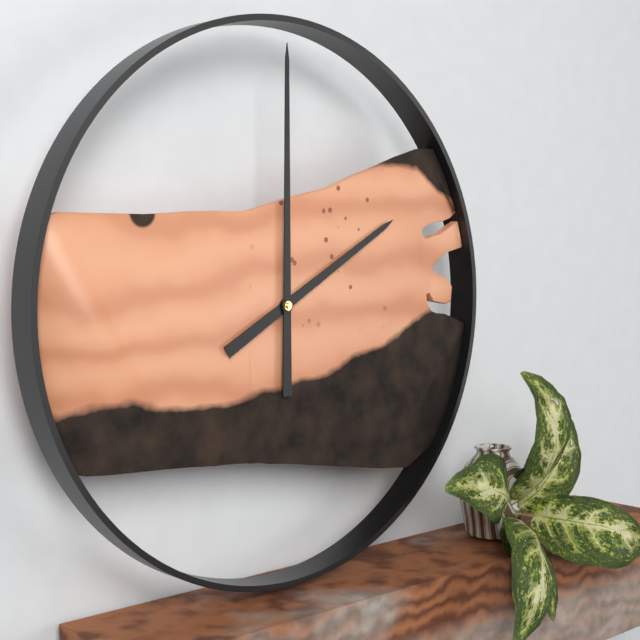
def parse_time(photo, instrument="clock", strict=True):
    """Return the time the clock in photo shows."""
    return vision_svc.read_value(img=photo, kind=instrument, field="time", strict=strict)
2:00
